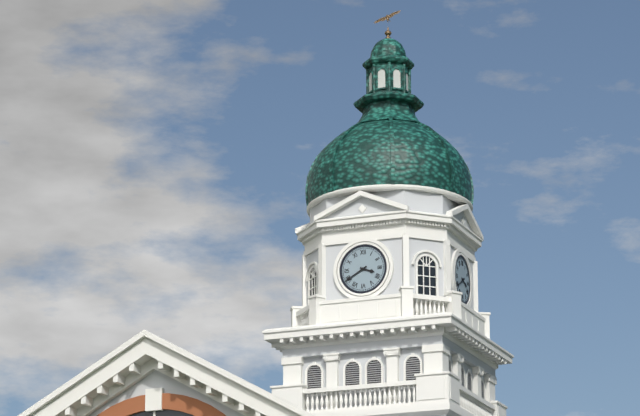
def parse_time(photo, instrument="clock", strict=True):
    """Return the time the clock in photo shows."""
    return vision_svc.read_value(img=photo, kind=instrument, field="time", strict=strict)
3:40
